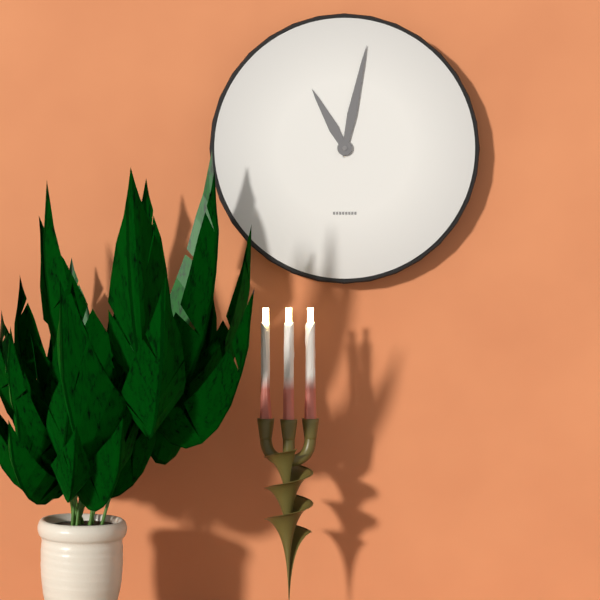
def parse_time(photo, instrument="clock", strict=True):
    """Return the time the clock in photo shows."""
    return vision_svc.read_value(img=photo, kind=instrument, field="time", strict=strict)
11:02
